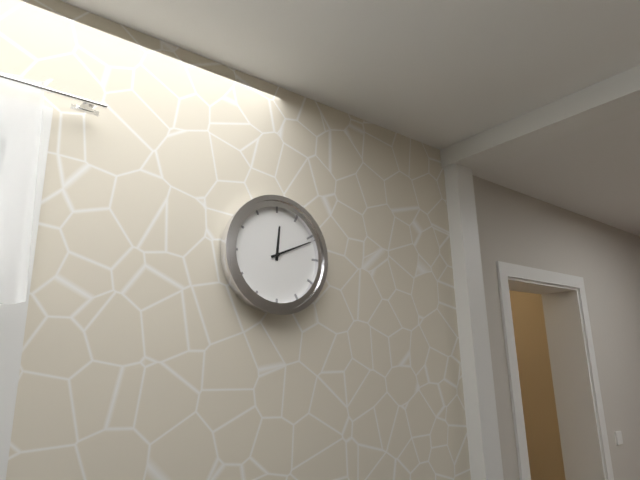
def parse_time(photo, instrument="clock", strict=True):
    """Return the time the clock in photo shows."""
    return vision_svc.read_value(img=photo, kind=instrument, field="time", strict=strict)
12:11
